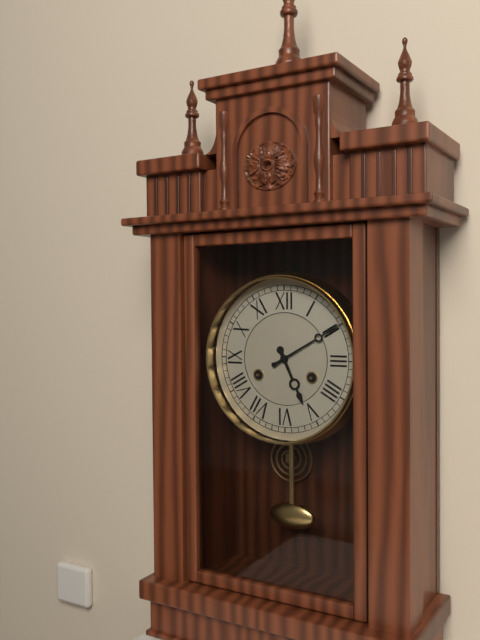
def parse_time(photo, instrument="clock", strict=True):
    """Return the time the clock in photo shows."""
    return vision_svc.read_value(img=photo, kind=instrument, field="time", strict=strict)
5:10
